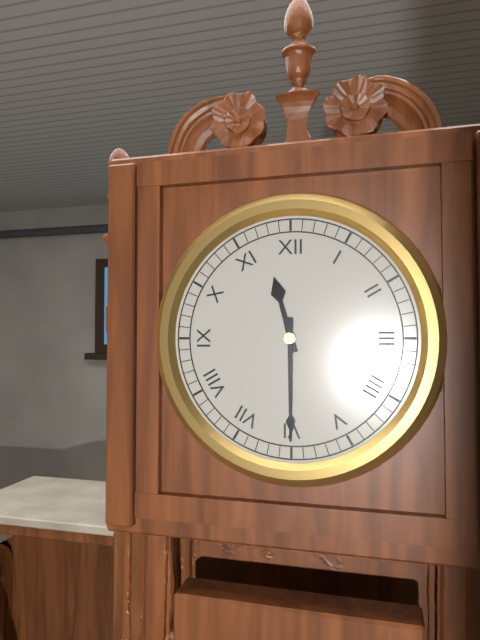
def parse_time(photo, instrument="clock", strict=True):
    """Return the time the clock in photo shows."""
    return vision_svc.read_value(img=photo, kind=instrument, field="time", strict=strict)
11:30
